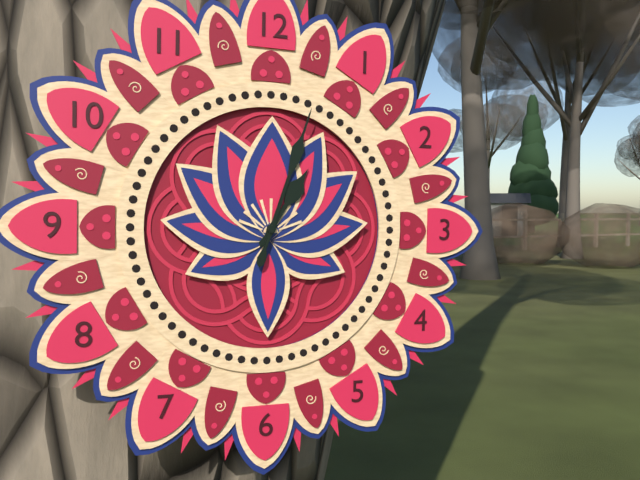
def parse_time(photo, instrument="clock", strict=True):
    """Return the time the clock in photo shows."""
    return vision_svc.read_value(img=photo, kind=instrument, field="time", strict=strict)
1:03
